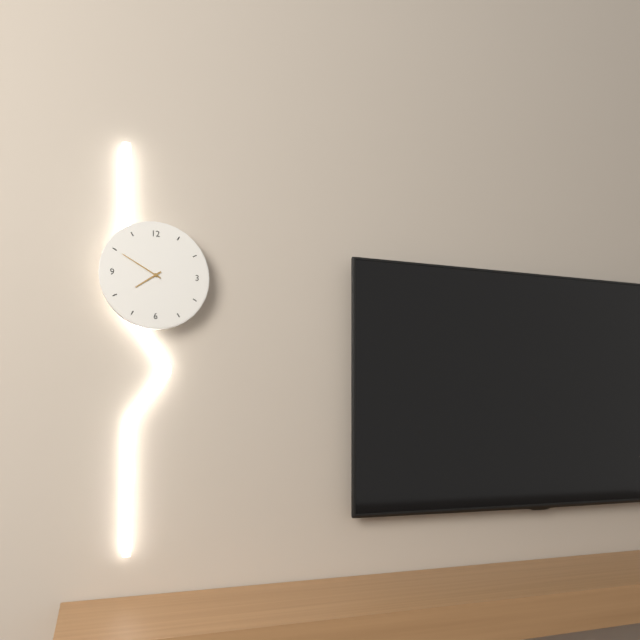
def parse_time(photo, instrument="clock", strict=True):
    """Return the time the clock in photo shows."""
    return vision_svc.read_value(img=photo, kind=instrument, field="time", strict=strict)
7:50
